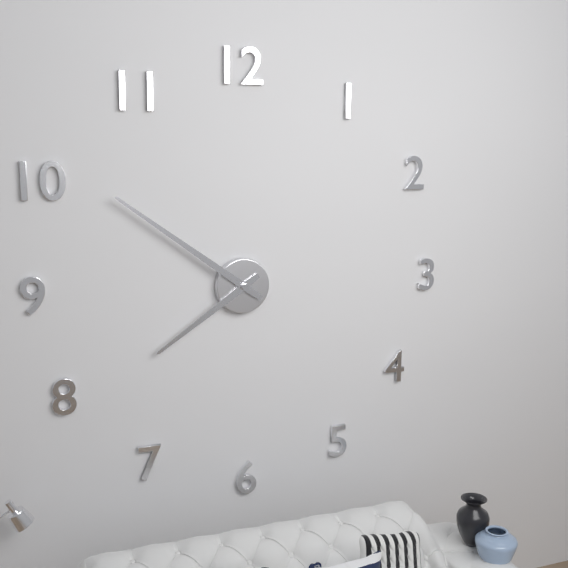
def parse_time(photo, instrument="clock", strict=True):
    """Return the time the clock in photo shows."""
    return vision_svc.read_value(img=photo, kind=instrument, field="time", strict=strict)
7:51
